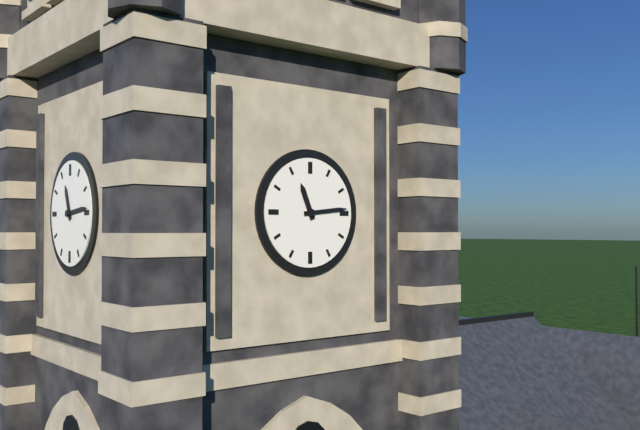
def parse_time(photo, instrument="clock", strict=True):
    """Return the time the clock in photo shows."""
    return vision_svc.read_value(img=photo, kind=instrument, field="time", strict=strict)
11:14
